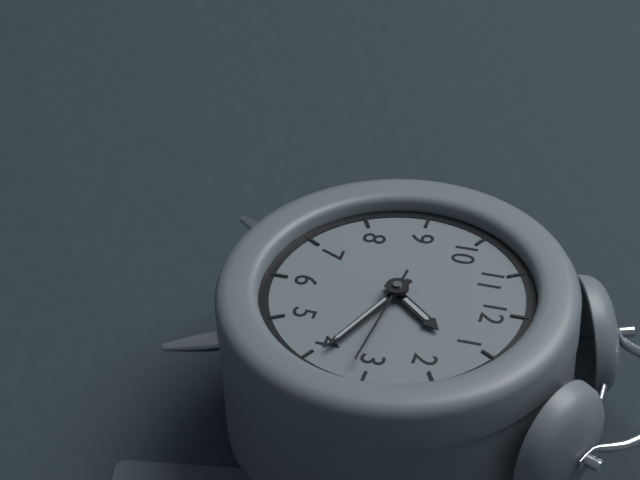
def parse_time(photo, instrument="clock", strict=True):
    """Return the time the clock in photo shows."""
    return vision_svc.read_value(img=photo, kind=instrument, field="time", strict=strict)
1:19:16
